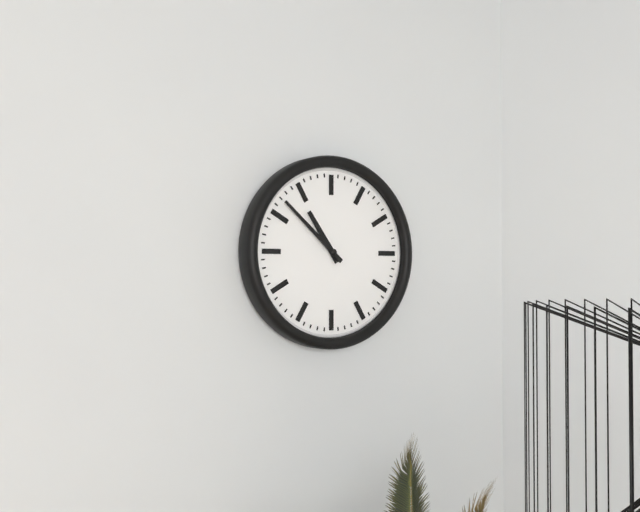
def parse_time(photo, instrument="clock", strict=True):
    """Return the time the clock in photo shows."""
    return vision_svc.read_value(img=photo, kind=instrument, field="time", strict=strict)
10:52
